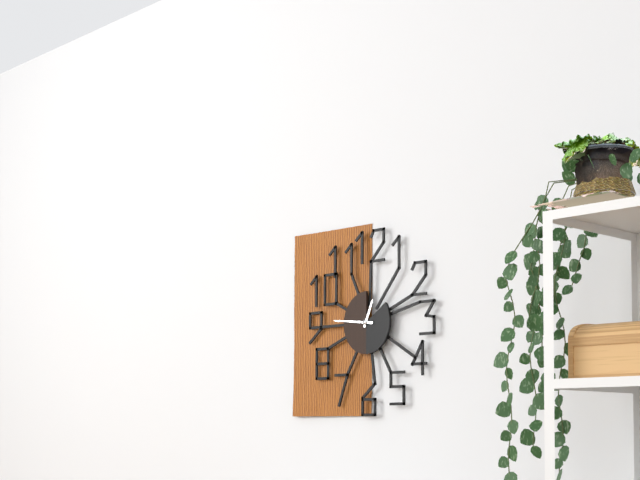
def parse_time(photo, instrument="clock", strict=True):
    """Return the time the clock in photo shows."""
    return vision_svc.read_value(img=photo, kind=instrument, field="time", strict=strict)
12:46
